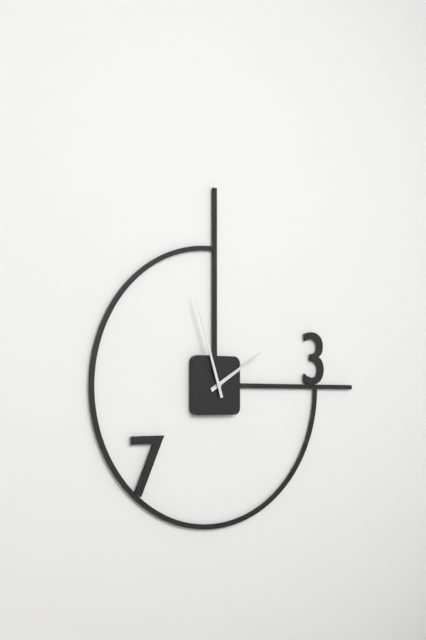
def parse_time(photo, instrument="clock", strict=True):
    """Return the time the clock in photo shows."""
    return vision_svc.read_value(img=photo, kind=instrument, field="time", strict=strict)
1:57
